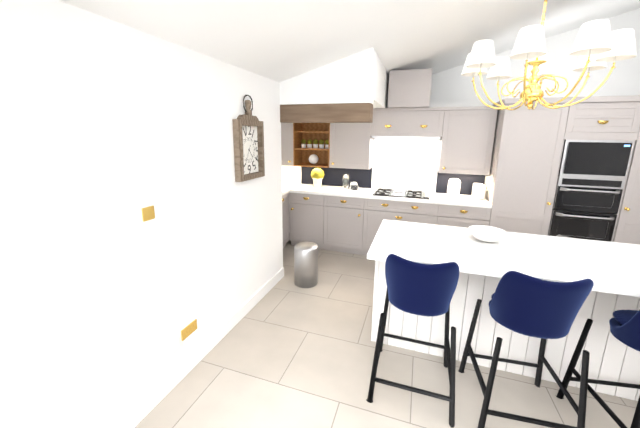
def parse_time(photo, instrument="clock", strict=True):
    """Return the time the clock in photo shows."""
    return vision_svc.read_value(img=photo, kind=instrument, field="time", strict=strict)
4:35
